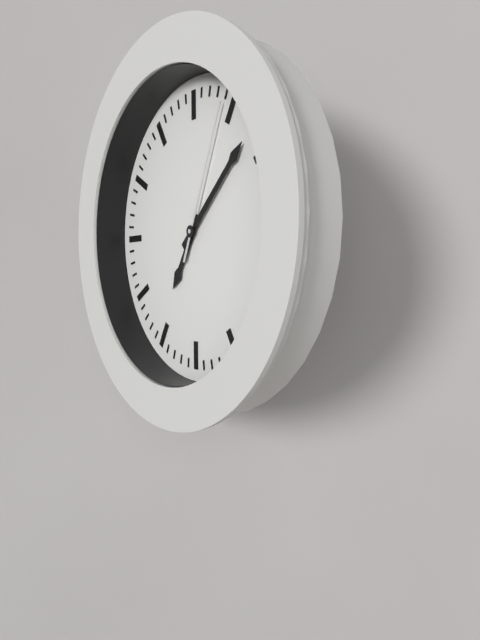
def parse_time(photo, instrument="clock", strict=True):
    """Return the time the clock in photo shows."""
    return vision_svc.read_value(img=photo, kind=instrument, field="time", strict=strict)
7:08:04
